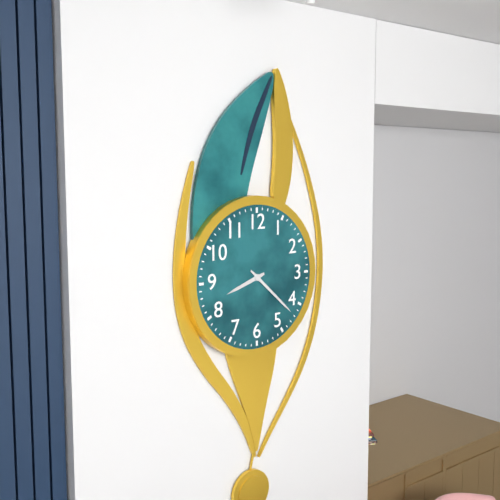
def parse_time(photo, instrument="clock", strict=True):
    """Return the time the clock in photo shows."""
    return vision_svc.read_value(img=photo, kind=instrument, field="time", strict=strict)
8:22
